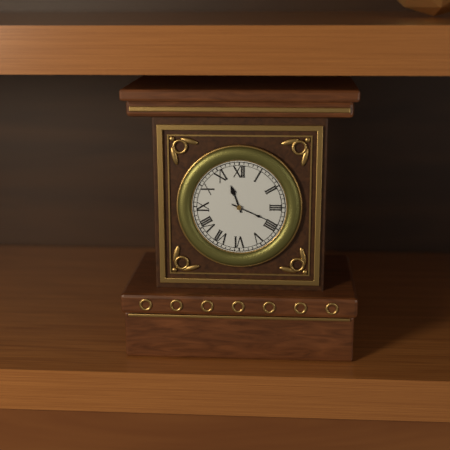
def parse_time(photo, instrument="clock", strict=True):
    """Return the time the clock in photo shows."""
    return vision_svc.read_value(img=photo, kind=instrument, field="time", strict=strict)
11:19
